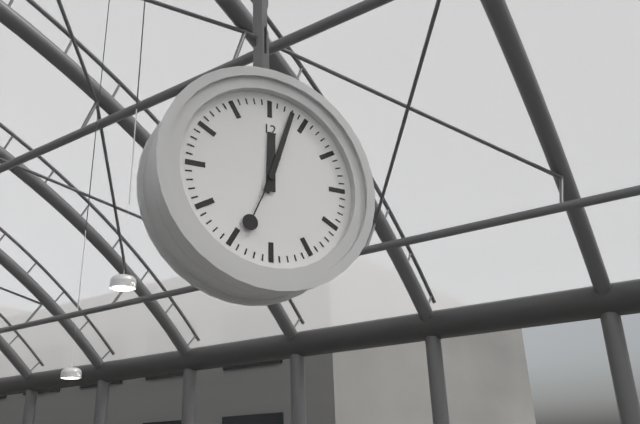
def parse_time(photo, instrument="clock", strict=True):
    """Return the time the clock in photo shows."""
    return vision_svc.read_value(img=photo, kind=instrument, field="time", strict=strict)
12:03:34
